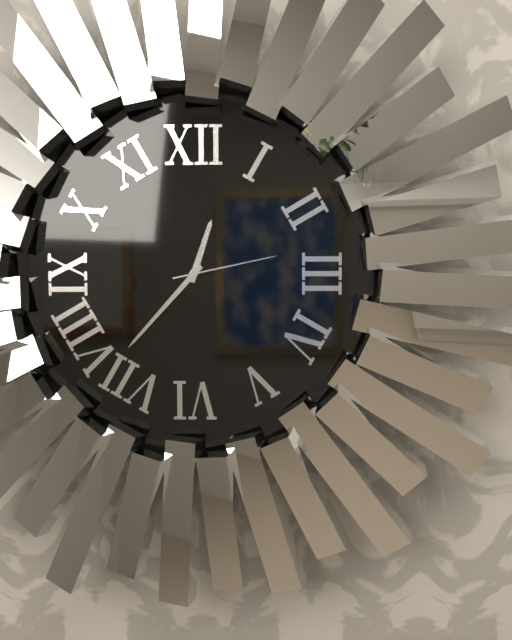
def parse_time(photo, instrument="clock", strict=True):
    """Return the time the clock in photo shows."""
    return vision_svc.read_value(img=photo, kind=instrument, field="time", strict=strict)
12:37:13
